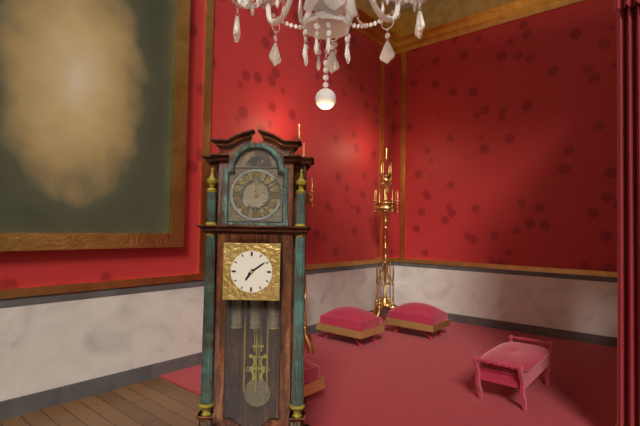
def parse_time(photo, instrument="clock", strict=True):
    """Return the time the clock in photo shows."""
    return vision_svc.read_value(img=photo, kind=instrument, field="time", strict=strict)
7:09
